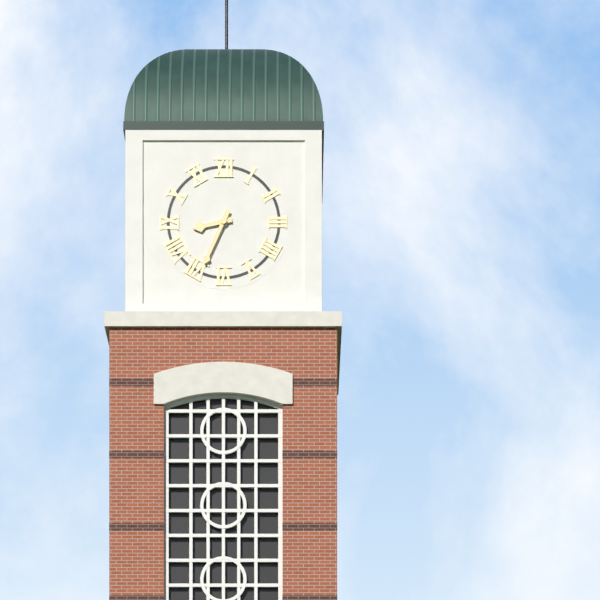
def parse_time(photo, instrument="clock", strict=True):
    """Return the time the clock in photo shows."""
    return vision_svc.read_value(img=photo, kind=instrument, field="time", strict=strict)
8:34
